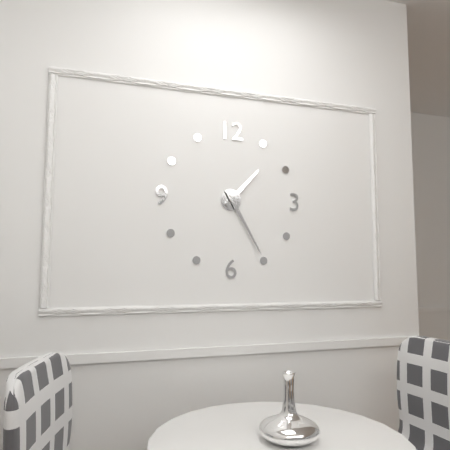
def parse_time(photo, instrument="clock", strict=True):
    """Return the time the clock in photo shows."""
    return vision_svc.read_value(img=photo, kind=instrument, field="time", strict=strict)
1:25
